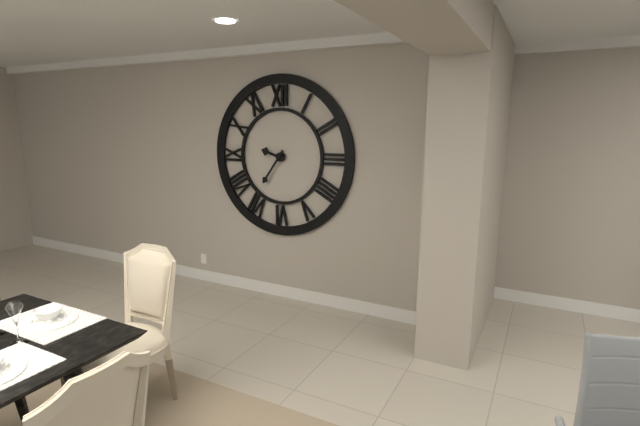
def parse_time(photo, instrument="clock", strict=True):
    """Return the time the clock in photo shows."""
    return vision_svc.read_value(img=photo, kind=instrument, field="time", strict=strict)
9:36
